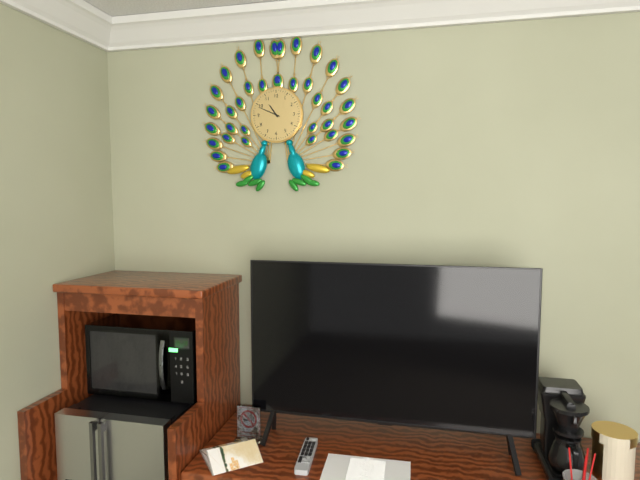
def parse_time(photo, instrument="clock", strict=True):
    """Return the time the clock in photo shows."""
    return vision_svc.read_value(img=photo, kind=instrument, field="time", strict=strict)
10:49
